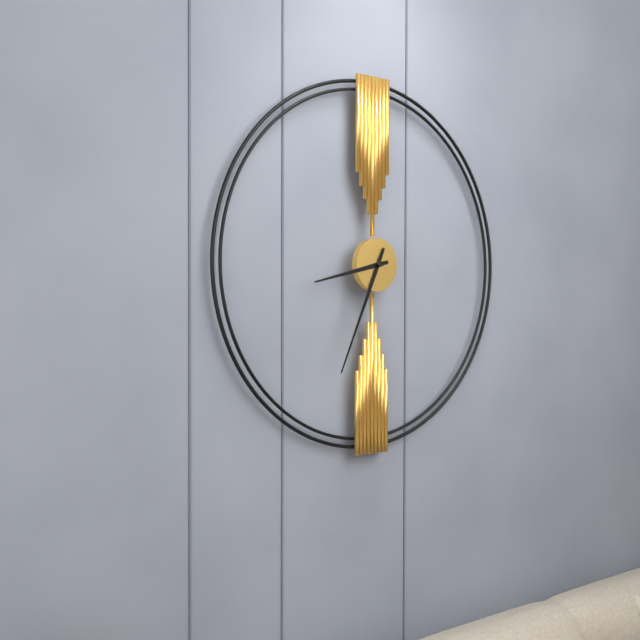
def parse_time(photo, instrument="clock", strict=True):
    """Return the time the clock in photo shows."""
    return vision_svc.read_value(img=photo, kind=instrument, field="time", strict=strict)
8:34
